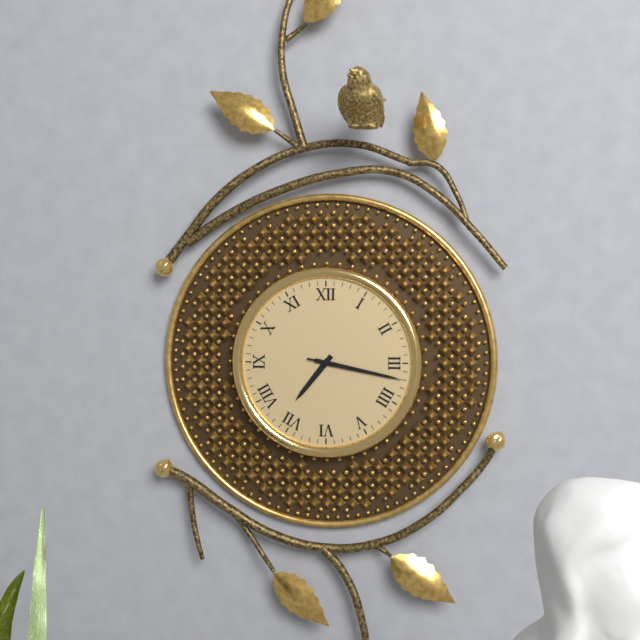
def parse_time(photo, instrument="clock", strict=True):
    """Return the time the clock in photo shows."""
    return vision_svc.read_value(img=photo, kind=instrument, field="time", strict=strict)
7:17:17
